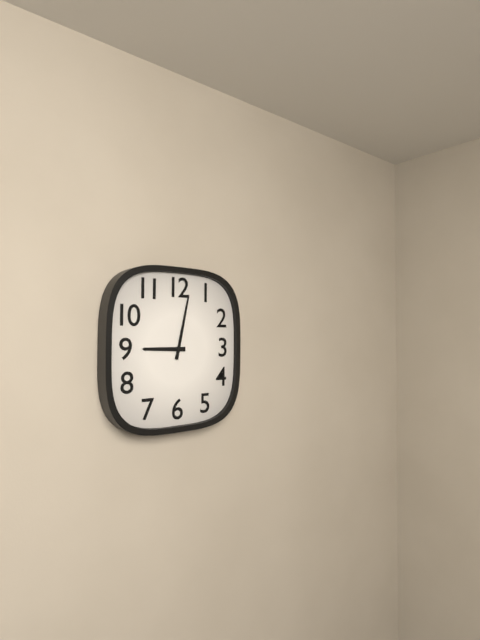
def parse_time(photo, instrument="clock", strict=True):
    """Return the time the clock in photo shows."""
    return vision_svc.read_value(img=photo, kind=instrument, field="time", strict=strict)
9:02
